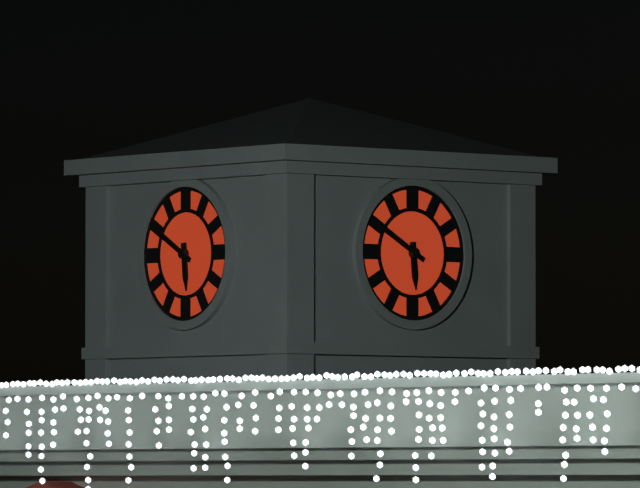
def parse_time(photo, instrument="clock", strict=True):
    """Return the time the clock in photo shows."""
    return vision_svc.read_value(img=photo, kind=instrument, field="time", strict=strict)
5:50
